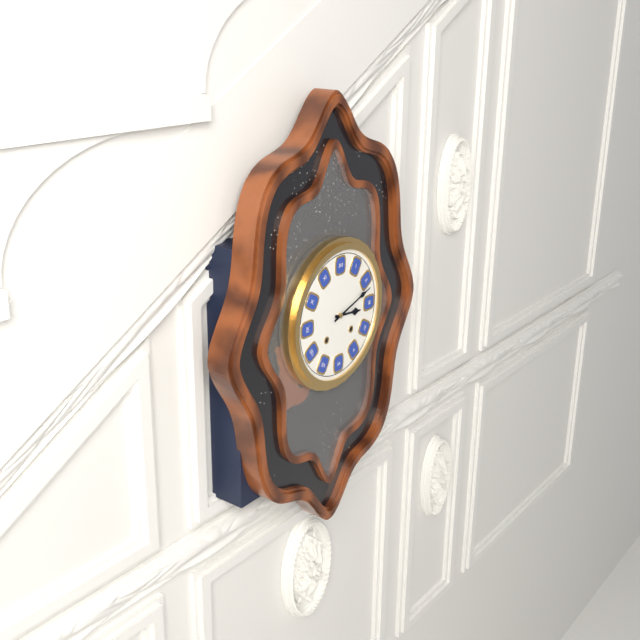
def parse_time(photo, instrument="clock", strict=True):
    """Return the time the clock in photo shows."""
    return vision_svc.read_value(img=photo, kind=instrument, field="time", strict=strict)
3:12
